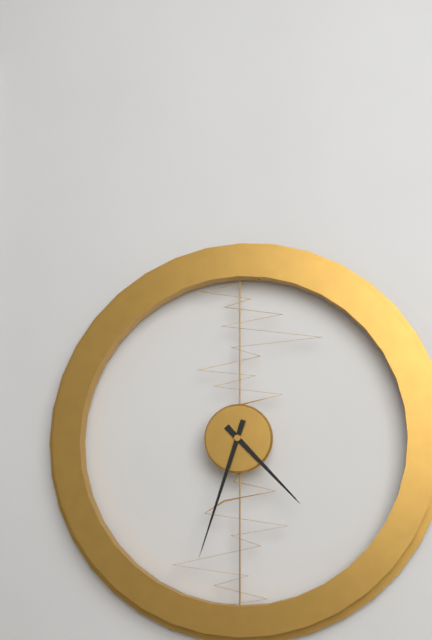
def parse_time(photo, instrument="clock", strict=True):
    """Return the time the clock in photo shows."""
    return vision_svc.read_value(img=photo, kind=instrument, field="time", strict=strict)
4:33
